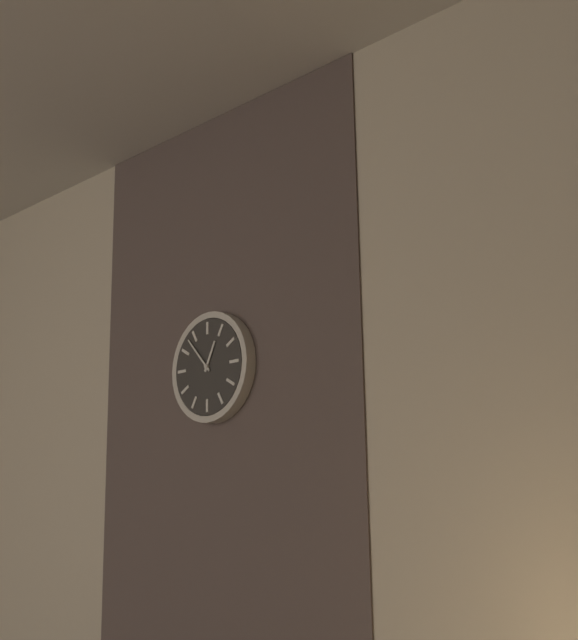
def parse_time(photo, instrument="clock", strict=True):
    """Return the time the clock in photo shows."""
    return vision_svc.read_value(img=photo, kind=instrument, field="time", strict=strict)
12:53
